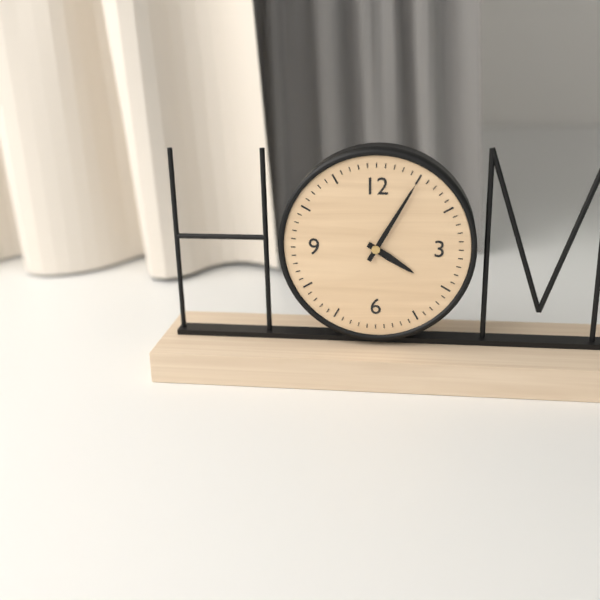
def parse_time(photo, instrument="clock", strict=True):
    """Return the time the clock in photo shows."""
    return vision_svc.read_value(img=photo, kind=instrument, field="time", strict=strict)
4:05
